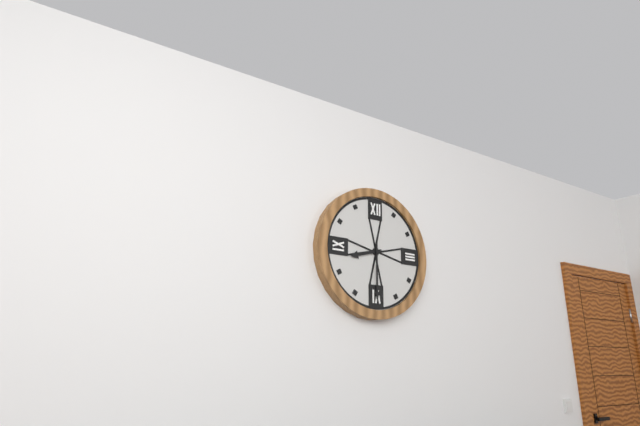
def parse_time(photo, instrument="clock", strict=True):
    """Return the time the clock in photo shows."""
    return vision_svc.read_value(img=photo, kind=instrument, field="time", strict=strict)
8:30
